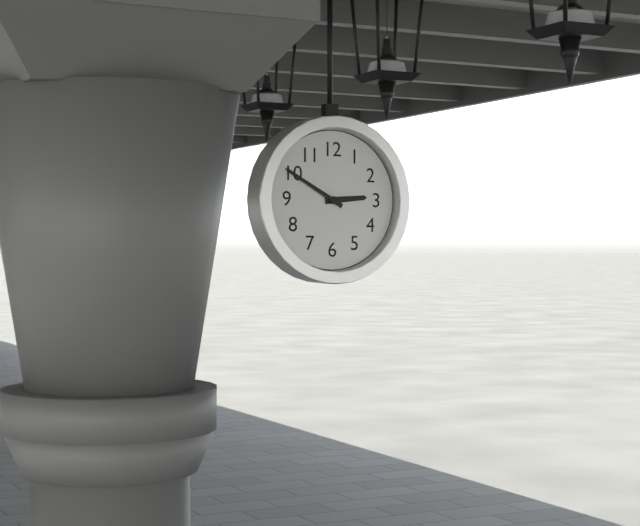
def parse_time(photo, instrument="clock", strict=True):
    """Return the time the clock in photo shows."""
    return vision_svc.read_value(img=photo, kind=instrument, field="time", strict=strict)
2:50
